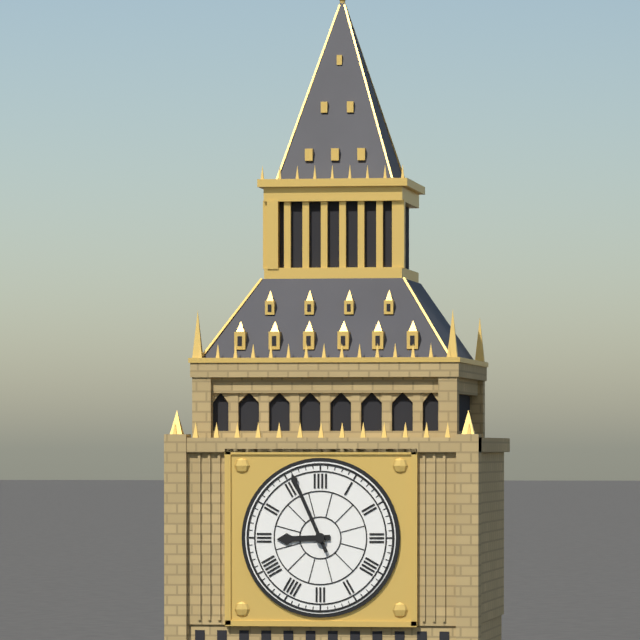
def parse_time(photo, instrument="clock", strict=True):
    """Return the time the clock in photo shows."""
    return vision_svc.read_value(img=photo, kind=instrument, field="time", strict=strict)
8:56
